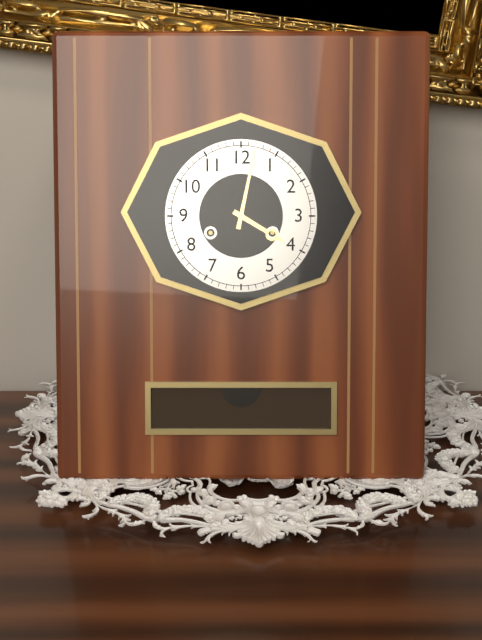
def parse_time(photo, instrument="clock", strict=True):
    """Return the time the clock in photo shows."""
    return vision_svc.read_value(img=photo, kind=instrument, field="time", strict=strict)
4:02
